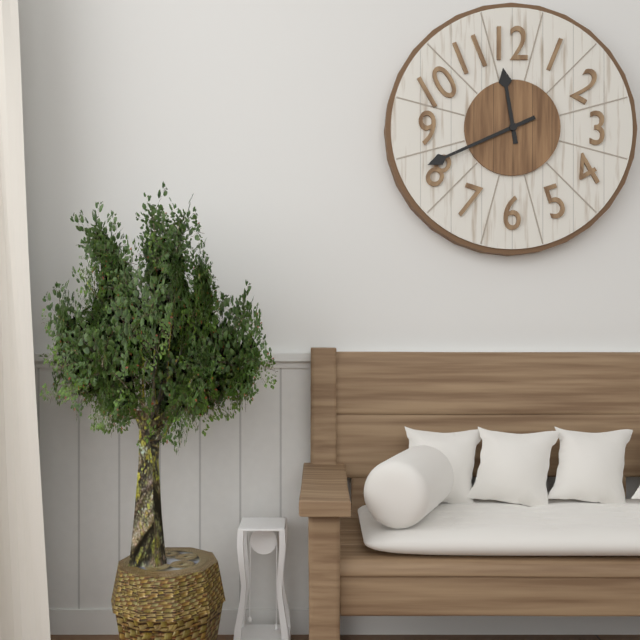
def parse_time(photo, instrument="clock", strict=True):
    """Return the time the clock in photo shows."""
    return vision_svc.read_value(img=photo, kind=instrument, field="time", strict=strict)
11:41
